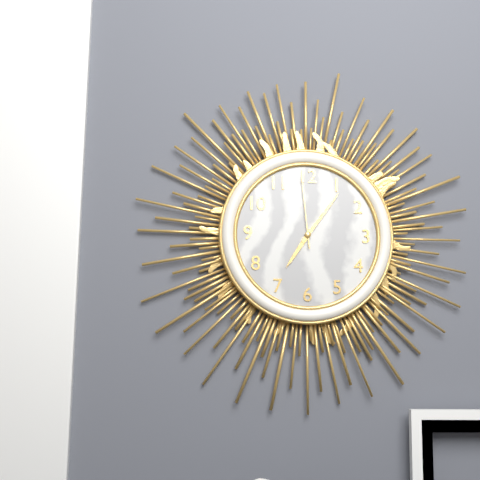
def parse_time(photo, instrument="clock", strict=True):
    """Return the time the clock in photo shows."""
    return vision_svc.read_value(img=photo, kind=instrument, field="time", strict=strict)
7:06:59
